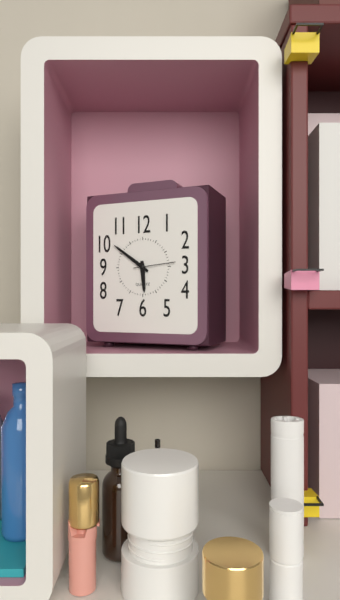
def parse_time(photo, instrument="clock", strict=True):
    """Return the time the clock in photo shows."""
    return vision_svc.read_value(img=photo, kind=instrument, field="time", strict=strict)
5:51
